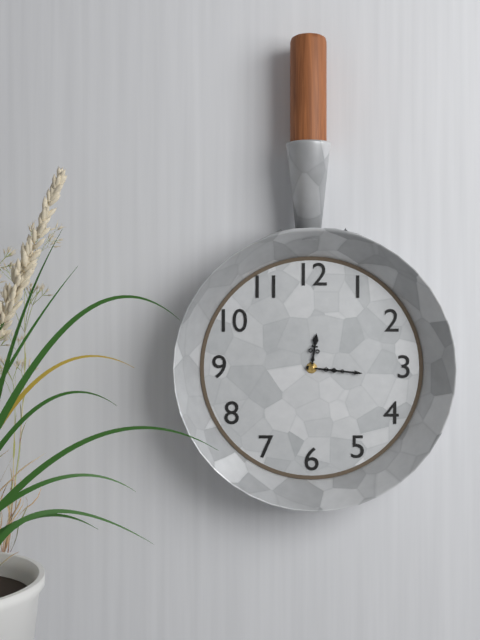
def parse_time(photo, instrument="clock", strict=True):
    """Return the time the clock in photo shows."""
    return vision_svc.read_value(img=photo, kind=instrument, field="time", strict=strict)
12:16
